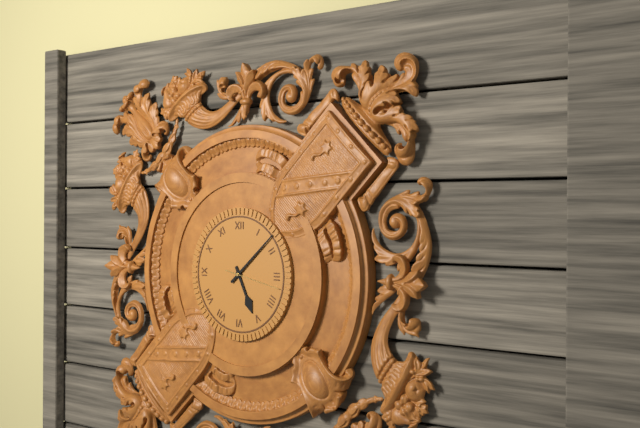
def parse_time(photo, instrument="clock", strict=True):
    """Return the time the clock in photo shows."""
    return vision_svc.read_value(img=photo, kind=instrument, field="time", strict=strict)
5:08:17
